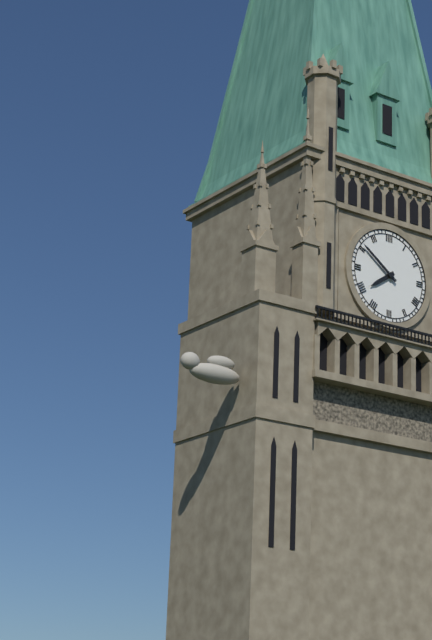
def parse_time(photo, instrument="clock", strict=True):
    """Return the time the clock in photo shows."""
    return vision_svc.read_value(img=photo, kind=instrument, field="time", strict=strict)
7:51
